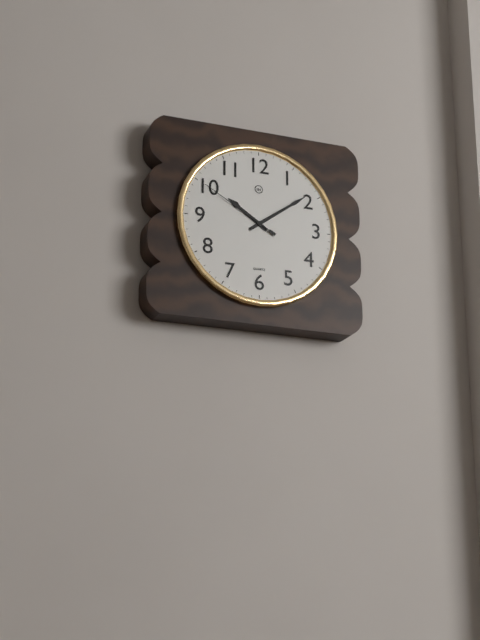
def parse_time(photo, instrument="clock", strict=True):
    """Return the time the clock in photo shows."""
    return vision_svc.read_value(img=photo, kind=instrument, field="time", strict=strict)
10:09:50
